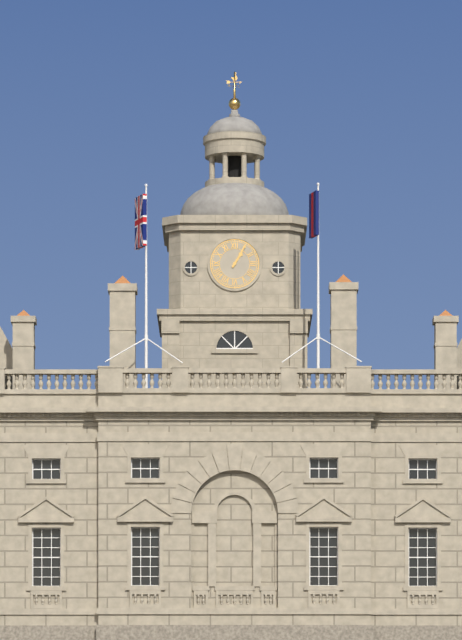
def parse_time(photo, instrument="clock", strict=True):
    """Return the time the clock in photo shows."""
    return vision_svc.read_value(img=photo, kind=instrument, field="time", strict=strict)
1:05
